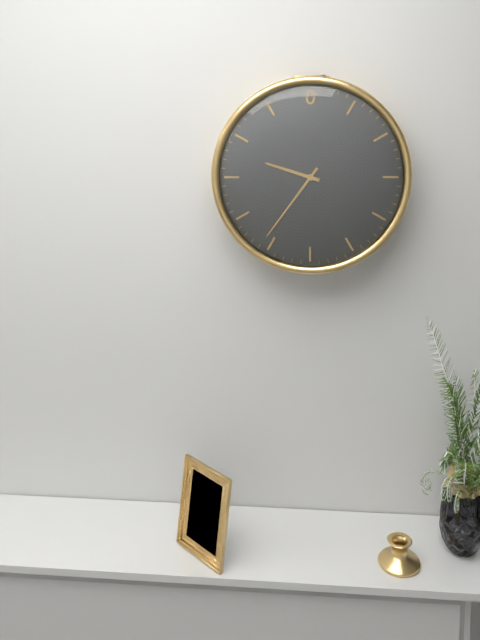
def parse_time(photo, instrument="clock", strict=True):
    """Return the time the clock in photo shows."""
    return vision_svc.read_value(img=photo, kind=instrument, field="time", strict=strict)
9:36
